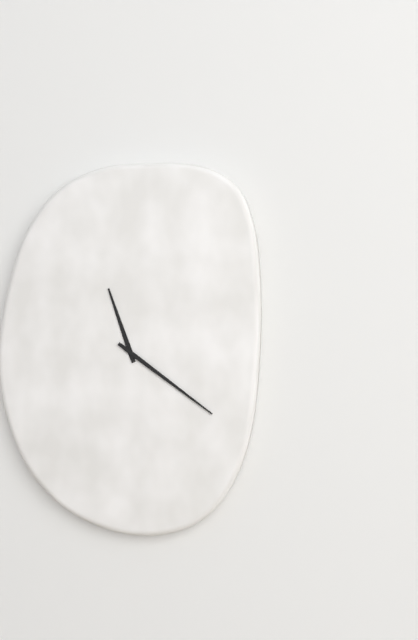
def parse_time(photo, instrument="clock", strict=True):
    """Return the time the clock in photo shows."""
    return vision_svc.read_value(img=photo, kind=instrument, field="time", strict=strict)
11:21
